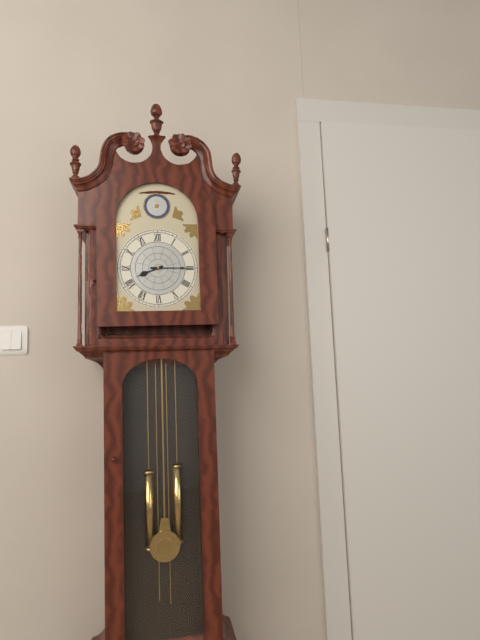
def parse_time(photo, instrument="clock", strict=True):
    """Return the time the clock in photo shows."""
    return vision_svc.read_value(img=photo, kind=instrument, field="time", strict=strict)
8:15
